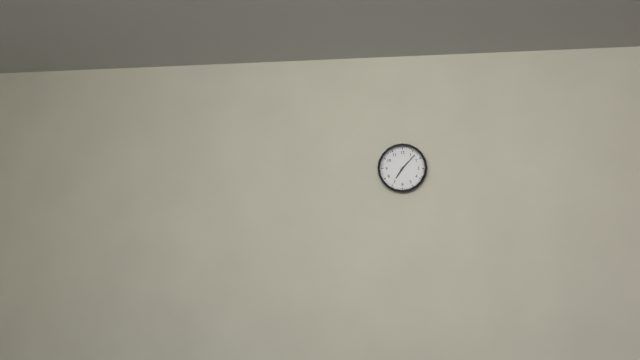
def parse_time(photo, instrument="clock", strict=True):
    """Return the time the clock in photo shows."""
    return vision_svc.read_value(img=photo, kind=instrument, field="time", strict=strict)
7:07
